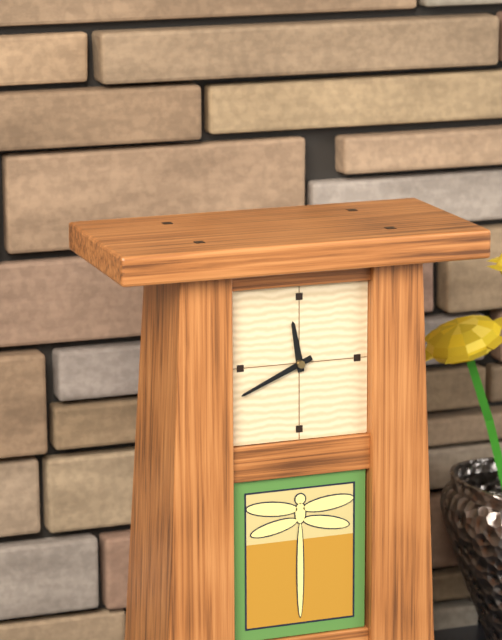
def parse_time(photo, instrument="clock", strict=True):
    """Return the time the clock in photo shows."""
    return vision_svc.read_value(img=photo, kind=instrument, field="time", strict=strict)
11:41
